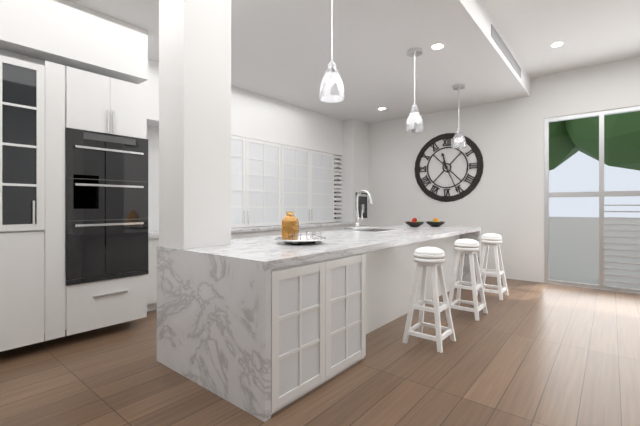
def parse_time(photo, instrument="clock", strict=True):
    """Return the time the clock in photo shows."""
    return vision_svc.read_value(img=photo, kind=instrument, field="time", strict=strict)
11:26
